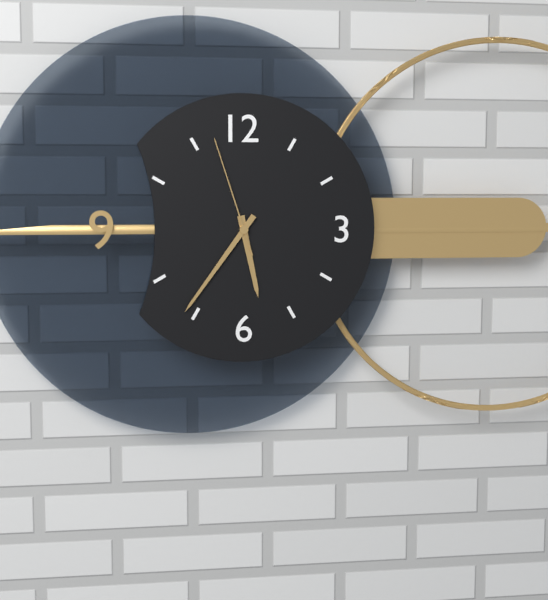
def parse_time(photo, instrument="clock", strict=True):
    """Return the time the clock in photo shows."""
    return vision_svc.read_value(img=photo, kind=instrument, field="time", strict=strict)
5:36:57
